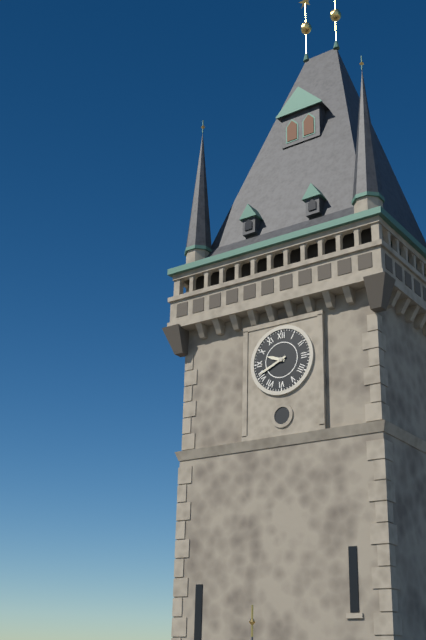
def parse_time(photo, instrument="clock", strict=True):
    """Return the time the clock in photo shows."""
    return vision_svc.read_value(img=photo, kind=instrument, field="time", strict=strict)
9:41
